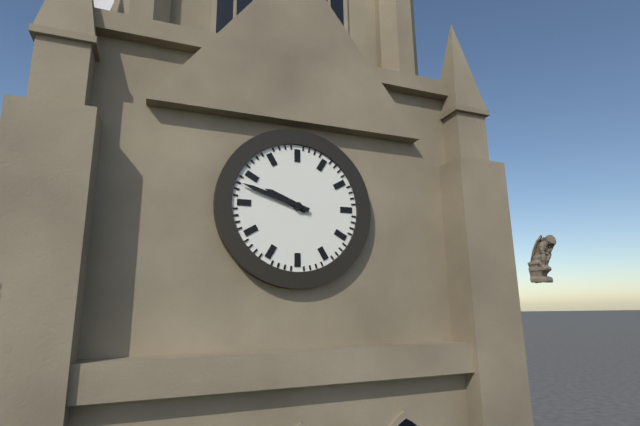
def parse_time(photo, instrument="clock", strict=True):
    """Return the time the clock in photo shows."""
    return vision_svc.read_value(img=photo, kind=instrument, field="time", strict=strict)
9:48
